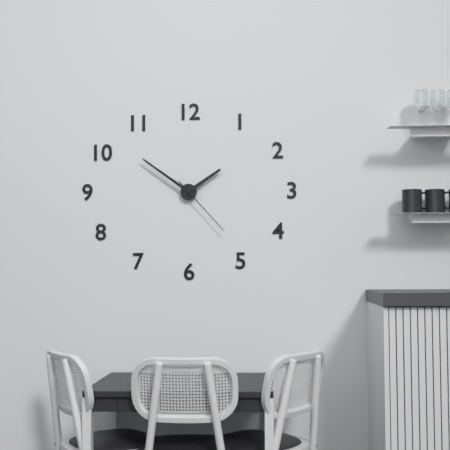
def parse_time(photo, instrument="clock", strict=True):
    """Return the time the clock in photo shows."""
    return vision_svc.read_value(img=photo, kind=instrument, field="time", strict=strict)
1:51:23
